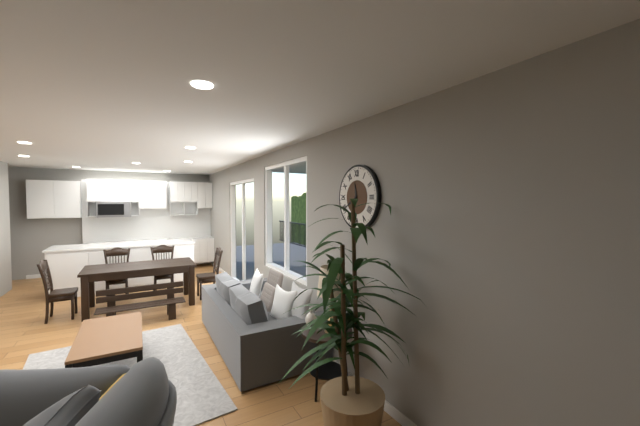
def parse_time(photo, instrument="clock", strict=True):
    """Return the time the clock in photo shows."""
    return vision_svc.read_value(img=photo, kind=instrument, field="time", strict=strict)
11:40
